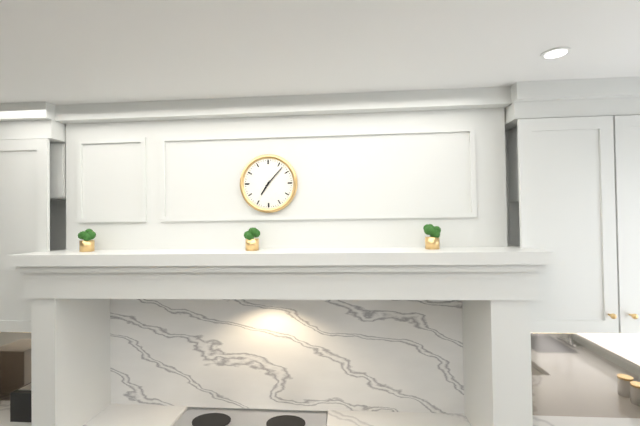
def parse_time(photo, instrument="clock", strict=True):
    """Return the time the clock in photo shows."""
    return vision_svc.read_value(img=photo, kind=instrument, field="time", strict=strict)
7:07
